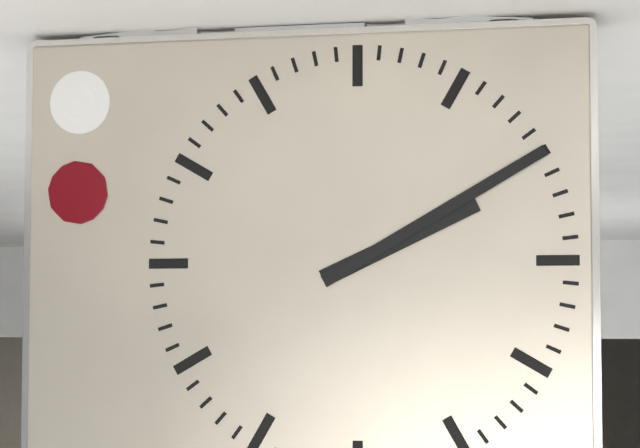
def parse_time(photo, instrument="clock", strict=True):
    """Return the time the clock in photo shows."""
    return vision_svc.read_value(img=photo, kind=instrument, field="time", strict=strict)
2:10
